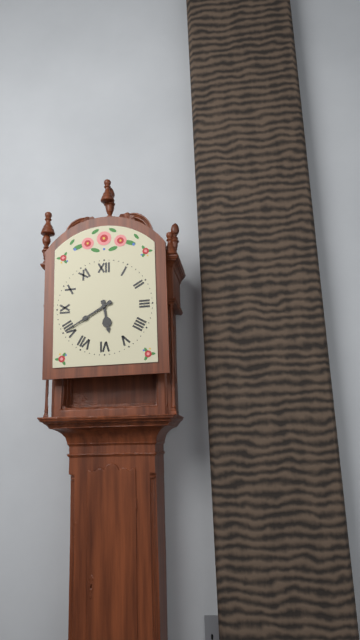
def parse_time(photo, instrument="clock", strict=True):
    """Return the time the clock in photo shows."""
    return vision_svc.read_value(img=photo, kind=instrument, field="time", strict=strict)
5:40
